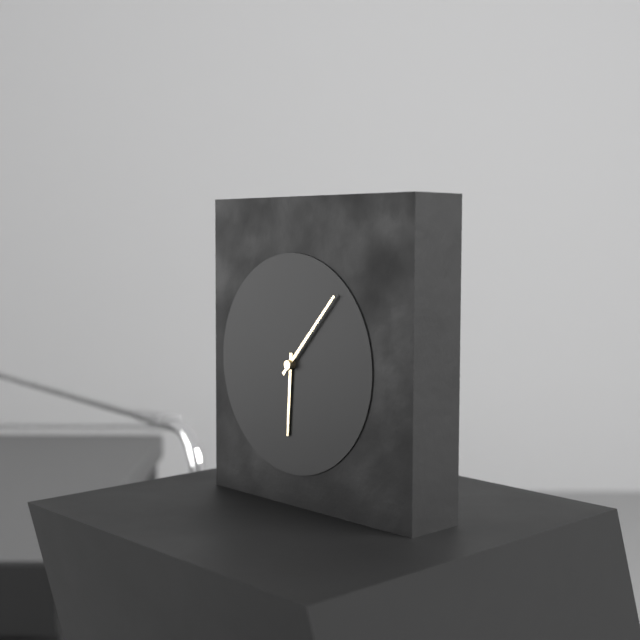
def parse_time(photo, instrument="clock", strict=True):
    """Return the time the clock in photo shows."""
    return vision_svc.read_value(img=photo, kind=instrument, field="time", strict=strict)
6:07
